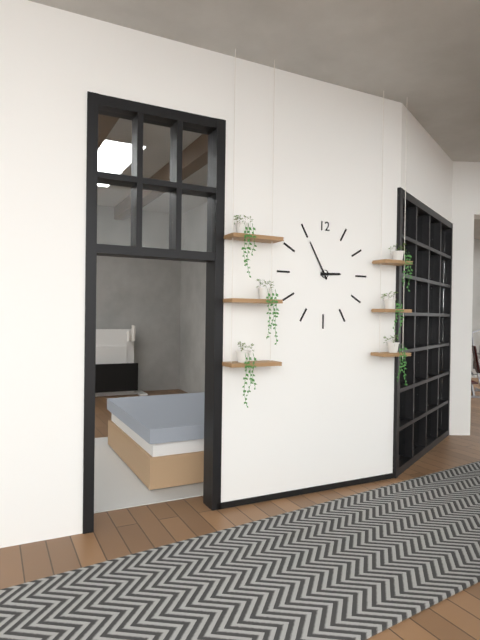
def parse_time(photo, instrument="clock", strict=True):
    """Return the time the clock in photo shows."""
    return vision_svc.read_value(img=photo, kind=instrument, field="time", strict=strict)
2:55
